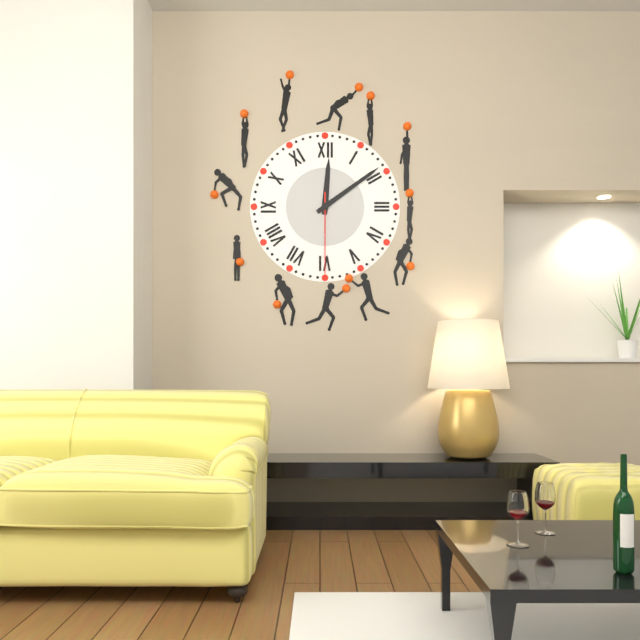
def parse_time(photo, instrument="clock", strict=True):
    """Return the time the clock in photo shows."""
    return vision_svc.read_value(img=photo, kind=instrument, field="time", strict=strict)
12:09:30
